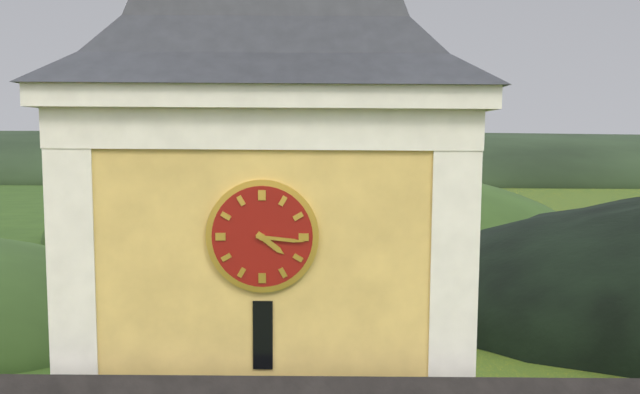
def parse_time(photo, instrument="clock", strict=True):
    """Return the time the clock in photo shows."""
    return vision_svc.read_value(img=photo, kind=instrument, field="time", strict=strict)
4:16
